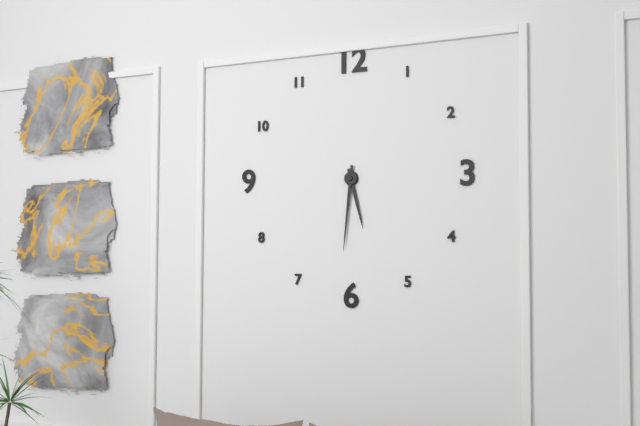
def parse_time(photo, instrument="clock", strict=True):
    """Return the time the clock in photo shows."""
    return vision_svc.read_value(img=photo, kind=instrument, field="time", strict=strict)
5:31
